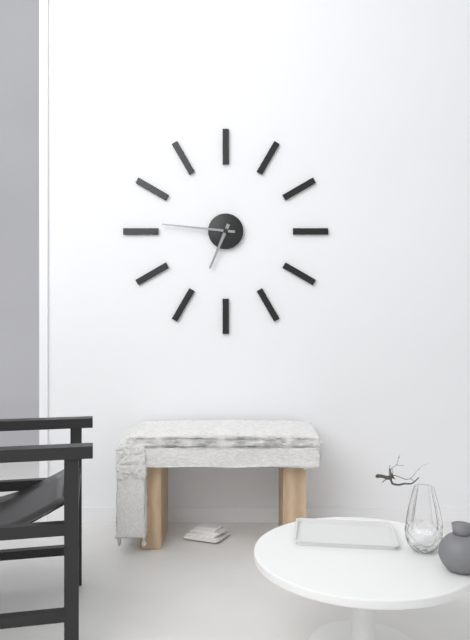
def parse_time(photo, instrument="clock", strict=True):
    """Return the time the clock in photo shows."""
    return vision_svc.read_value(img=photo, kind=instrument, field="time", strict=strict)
6:46
